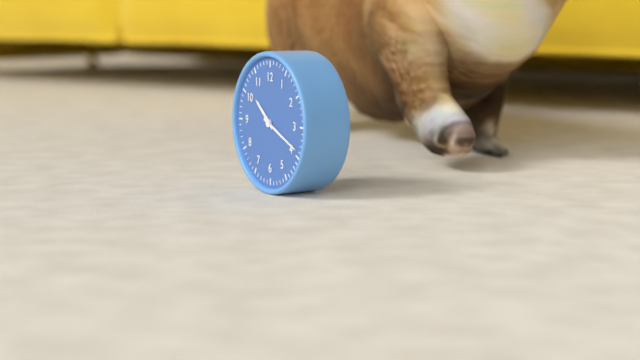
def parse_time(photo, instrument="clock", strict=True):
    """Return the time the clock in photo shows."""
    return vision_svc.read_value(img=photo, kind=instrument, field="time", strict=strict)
10:19
